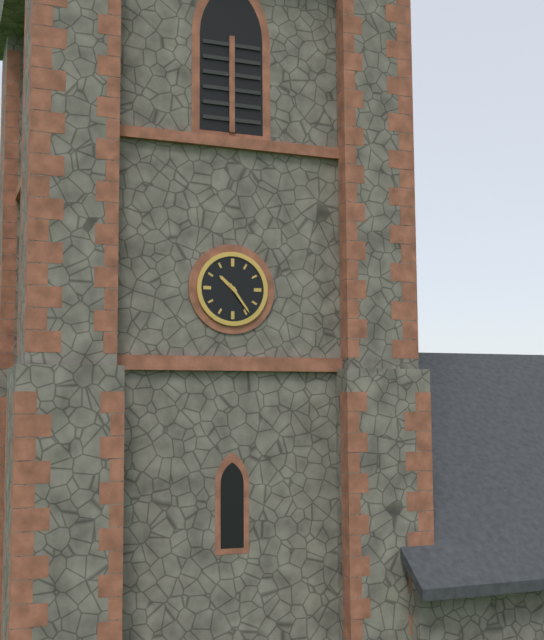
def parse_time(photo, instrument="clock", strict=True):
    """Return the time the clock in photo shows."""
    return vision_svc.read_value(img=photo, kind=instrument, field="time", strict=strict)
10:24
